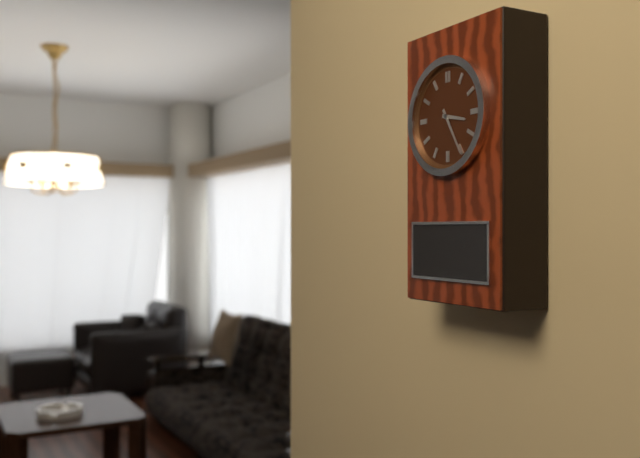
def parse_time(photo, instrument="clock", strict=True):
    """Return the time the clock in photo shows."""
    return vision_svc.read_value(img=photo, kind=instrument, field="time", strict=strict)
3:25
